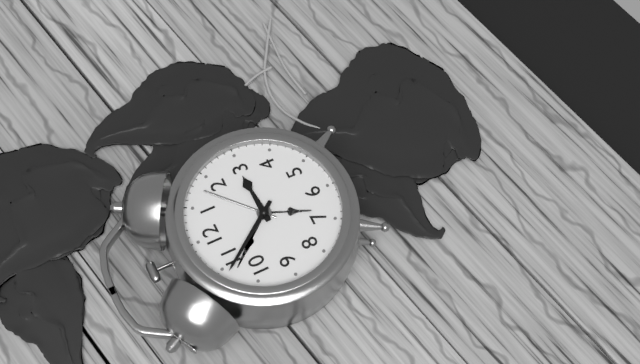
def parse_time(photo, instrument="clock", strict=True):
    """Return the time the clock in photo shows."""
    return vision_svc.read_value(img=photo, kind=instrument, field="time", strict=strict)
2:54
